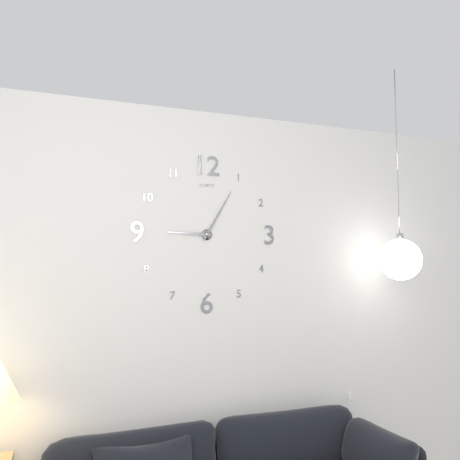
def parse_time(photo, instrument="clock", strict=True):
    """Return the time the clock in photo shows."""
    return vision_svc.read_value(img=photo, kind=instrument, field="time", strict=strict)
9:05
